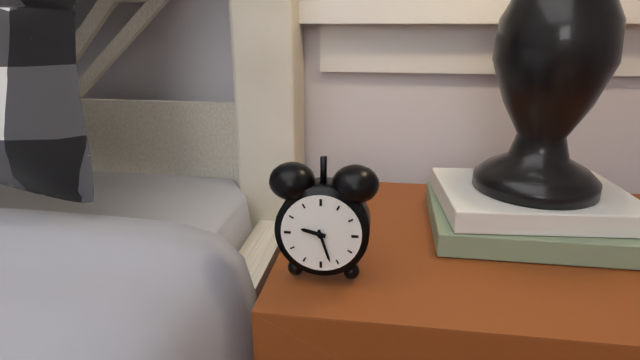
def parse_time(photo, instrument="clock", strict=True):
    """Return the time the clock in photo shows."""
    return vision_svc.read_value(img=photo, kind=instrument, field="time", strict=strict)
9:27
